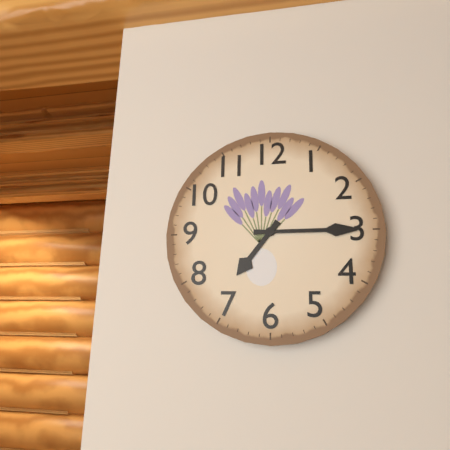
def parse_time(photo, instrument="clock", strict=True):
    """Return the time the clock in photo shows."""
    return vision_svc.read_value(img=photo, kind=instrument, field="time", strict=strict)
7:15
